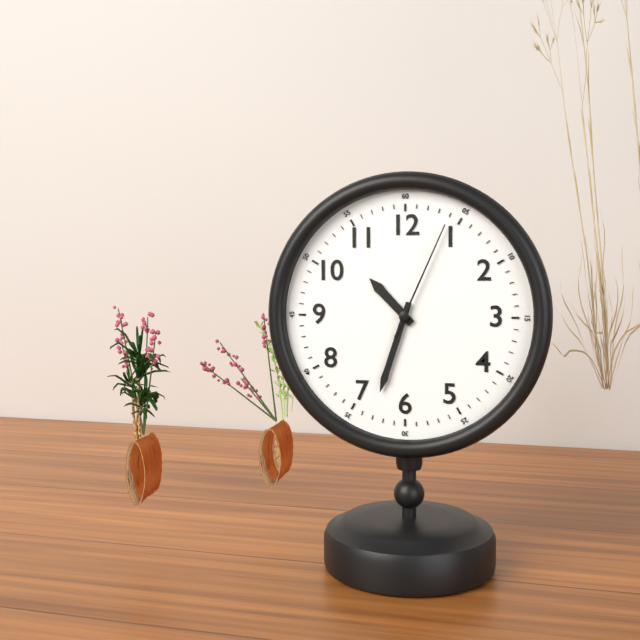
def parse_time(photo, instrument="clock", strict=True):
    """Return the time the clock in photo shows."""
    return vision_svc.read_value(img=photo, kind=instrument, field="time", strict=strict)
10:33:04
